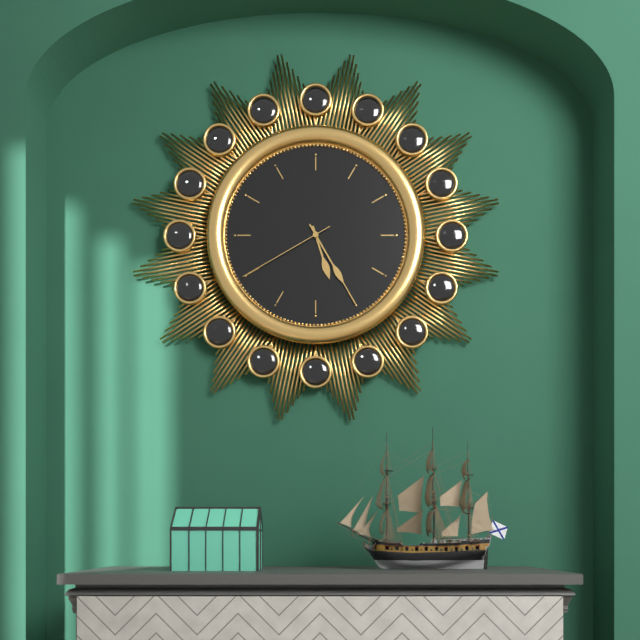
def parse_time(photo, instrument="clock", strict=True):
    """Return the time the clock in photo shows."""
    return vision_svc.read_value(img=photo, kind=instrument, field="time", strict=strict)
5:25:40
